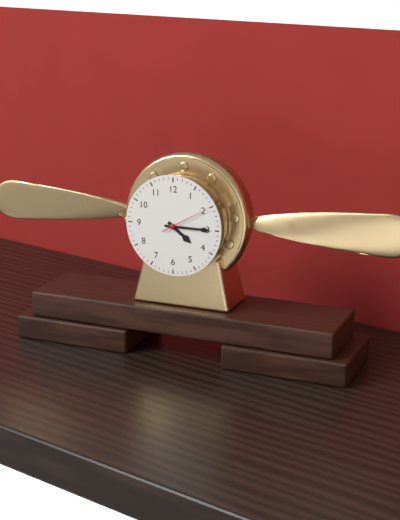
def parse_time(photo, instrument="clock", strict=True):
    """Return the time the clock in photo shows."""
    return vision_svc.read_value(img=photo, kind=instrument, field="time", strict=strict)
4:15
